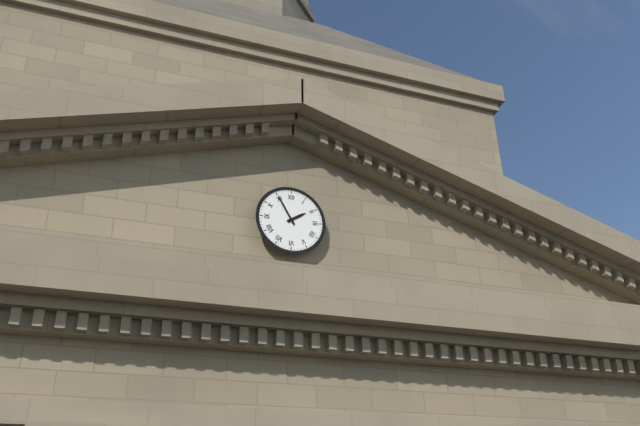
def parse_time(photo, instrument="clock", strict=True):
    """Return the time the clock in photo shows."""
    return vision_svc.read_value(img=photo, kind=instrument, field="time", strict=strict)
1:55
